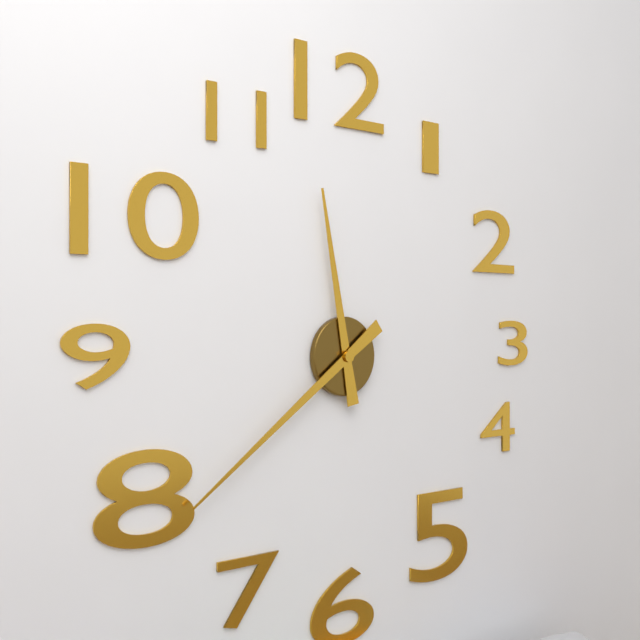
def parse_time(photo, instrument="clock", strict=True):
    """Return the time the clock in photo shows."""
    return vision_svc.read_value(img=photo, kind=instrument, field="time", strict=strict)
11:39
